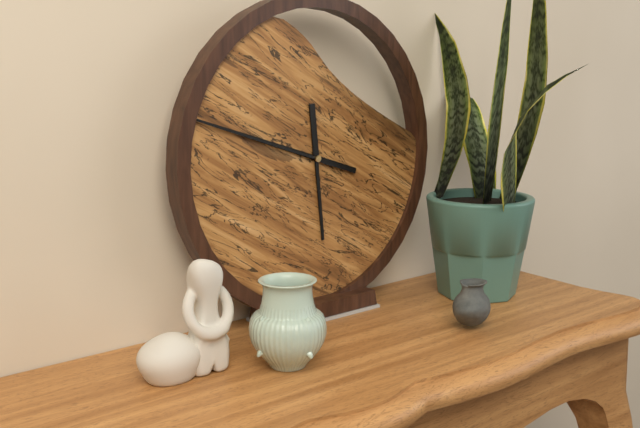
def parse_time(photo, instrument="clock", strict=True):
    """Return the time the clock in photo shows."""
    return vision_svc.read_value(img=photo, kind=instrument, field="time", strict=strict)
5:48
